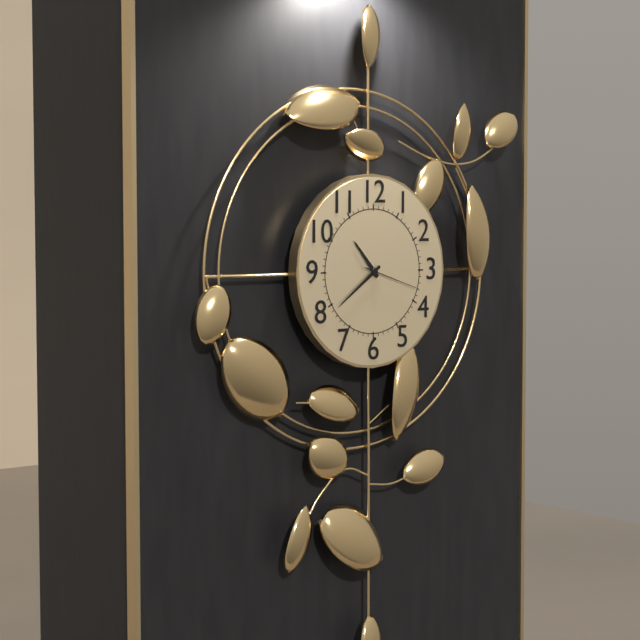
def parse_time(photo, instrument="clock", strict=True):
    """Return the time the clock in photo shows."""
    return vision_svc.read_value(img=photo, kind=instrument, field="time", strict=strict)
10:39:18
